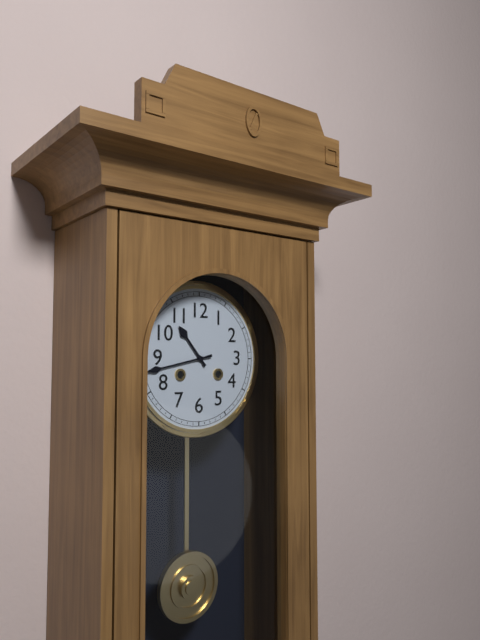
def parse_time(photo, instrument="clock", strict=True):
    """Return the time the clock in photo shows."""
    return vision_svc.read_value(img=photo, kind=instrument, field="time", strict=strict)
10:43
